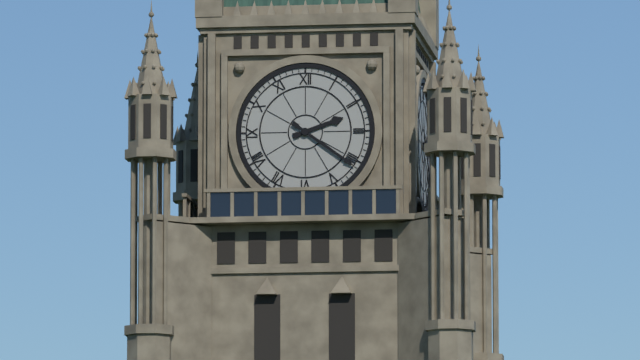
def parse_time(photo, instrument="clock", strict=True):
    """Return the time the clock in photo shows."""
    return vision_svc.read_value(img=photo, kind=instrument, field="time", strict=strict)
2:21
